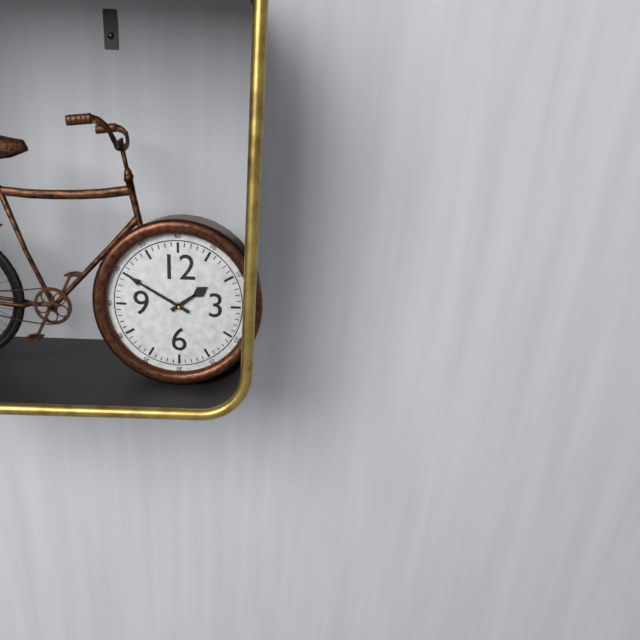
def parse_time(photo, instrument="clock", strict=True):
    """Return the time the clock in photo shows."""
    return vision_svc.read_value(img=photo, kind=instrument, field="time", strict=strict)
1:50
